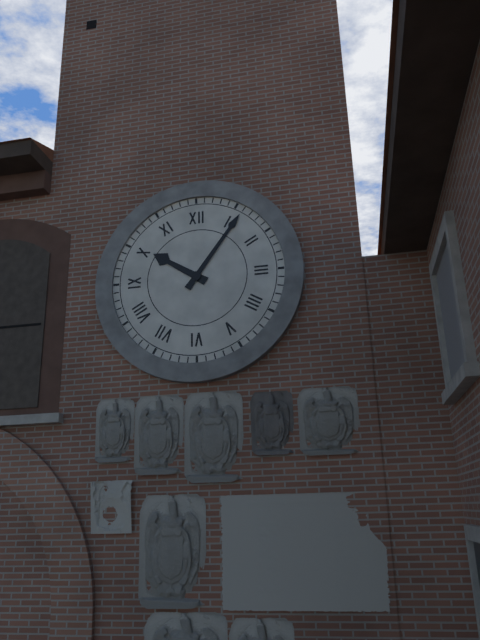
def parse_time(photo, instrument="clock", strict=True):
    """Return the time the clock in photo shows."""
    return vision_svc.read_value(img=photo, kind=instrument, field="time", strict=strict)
10:06
